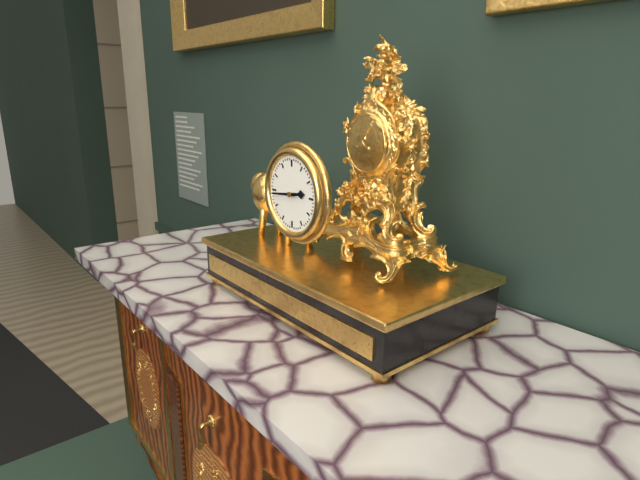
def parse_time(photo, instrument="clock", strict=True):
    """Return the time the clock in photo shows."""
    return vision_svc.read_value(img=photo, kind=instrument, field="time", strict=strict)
2:44
